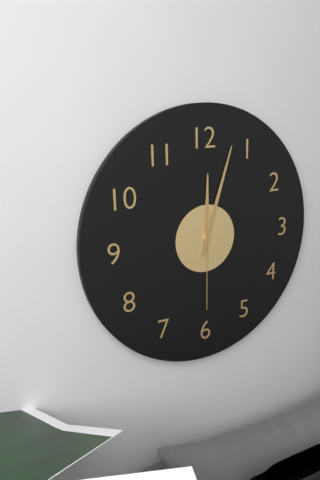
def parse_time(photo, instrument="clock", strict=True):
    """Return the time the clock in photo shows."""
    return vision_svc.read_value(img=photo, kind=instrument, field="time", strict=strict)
12:03:30
